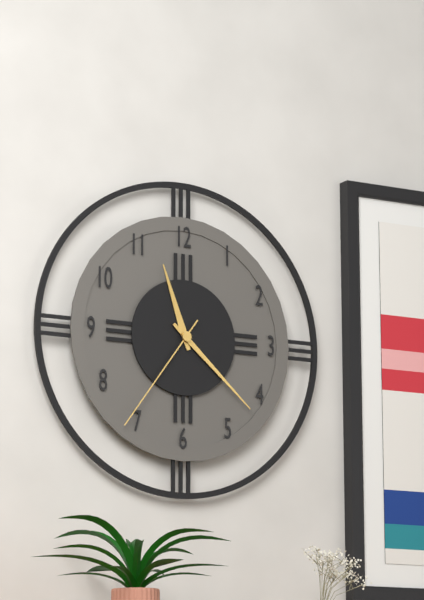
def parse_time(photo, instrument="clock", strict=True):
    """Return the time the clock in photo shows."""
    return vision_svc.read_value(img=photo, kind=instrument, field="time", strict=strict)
11:22:36
